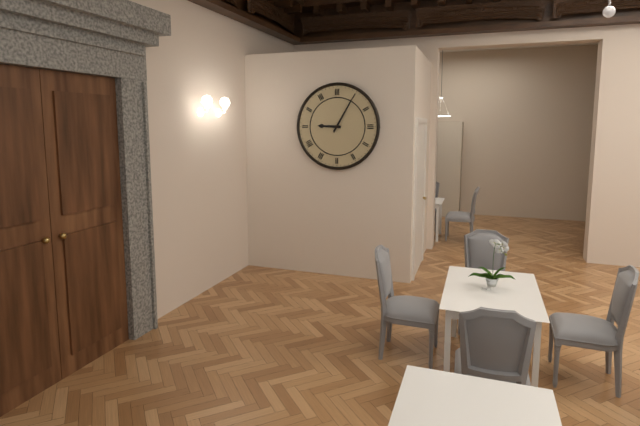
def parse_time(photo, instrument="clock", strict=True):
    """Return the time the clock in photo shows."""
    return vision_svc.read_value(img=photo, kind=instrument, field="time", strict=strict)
9:05
